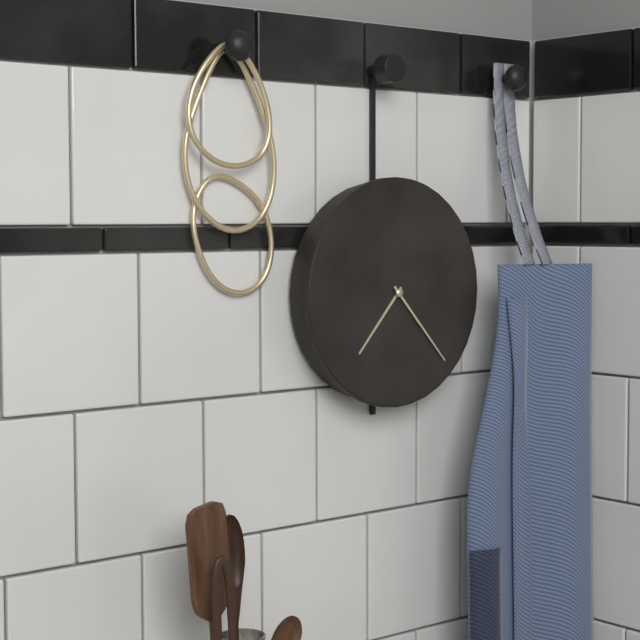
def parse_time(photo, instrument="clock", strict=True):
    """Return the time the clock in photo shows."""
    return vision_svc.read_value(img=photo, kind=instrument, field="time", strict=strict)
7:23
